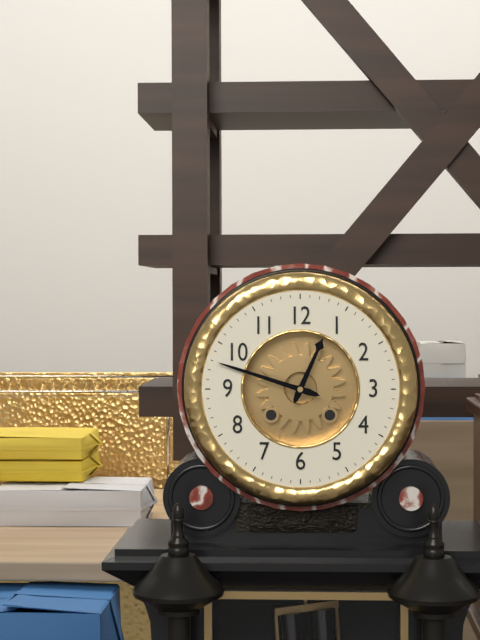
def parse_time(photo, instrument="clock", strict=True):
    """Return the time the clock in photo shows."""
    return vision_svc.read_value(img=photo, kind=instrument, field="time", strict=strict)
12:48
